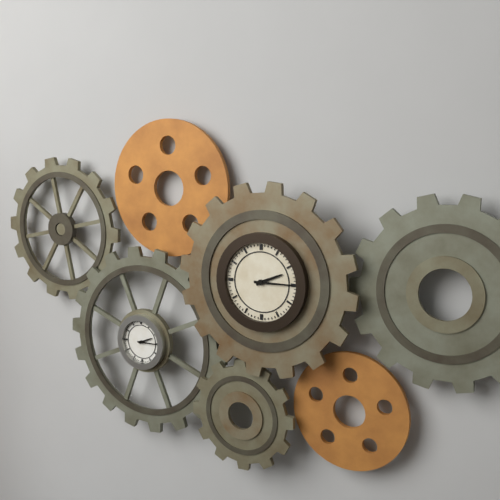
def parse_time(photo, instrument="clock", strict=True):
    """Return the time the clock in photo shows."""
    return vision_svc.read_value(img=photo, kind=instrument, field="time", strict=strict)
2:15
